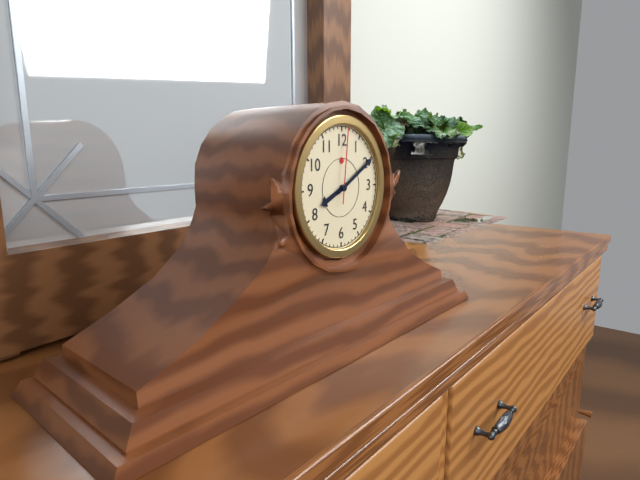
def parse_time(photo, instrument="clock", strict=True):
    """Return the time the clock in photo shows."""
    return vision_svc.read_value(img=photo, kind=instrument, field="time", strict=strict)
8:10:01
